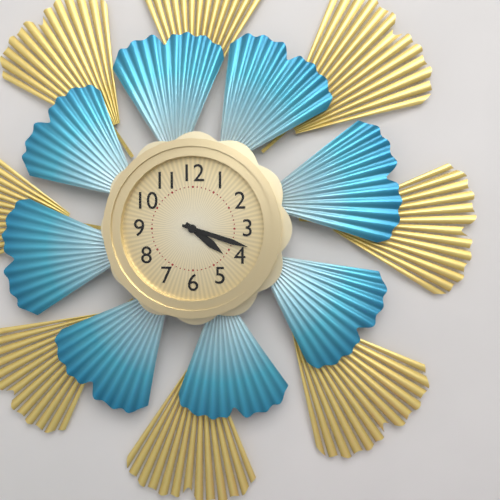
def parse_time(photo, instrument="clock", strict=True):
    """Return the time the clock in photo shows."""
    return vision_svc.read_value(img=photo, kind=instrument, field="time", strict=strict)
4:18
